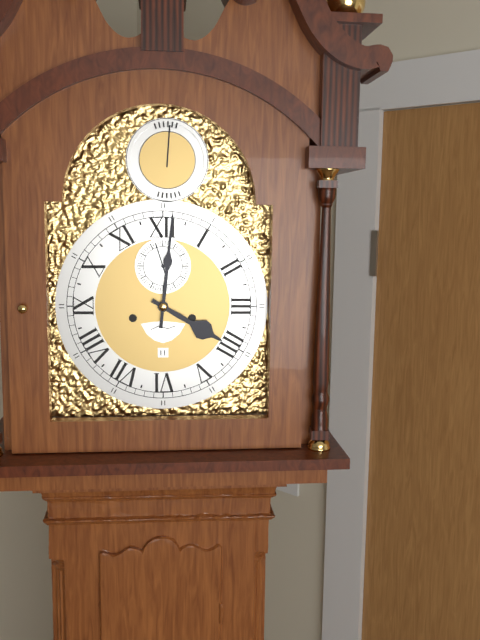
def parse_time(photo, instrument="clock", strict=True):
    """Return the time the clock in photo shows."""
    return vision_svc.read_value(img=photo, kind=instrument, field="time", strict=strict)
4:01
